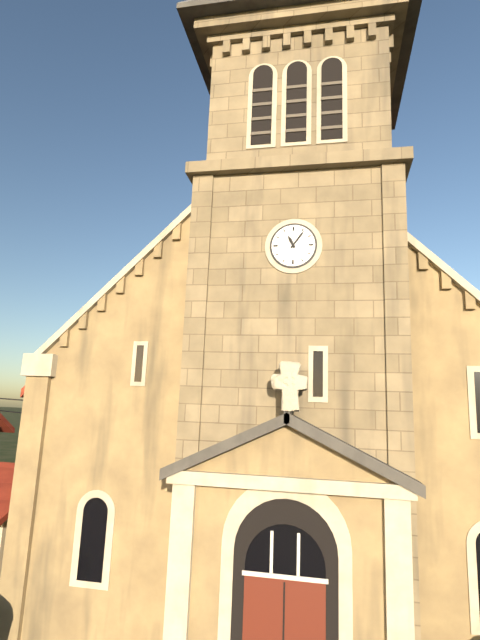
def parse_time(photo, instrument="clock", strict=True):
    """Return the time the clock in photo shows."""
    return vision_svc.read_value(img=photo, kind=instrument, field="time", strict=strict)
11:06
